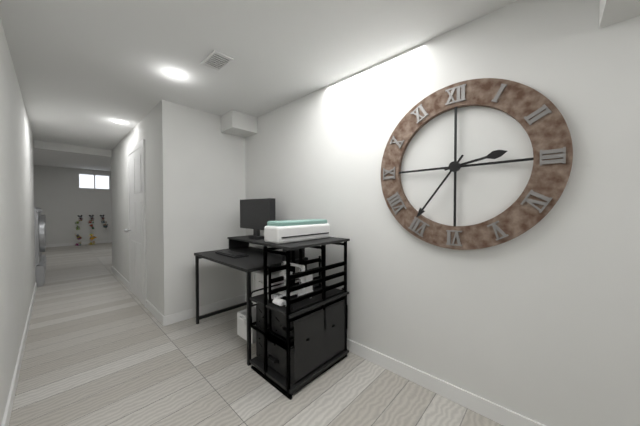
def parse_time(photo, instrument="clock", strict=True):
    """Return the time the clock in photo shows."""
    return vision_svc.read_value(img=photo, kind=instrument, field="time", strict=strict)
2:36
